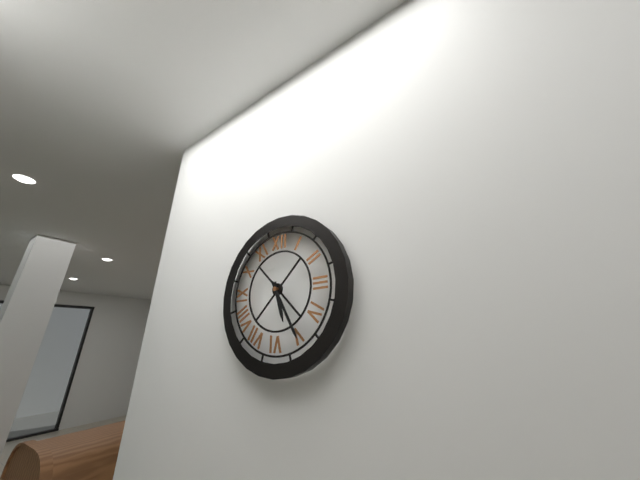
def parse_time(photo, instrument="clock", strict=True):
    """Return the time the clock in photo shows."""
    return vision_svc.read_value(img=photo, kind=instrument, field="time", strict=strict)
5:25
